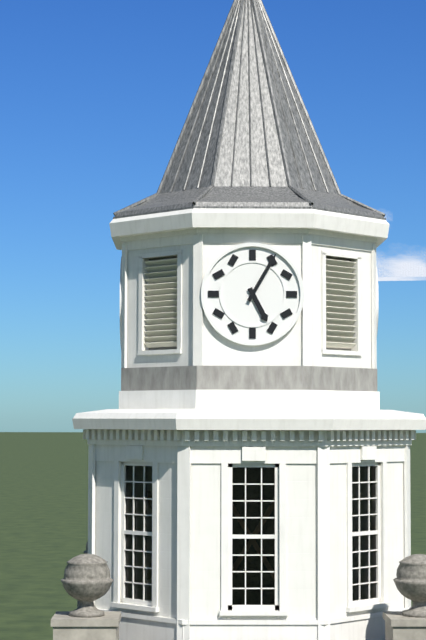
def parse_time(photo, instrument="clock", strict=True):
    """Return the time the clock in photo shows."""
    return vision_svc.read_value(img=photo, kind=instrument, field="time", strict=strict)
5:05
